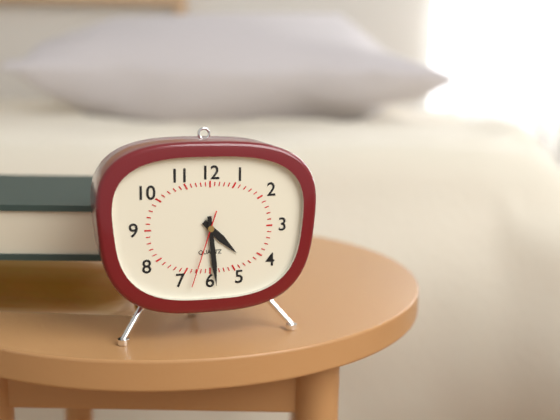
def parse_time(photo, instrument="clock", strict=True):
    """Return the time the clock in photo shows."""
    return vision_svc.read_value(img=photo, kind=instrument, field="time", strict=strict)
4:29:33
